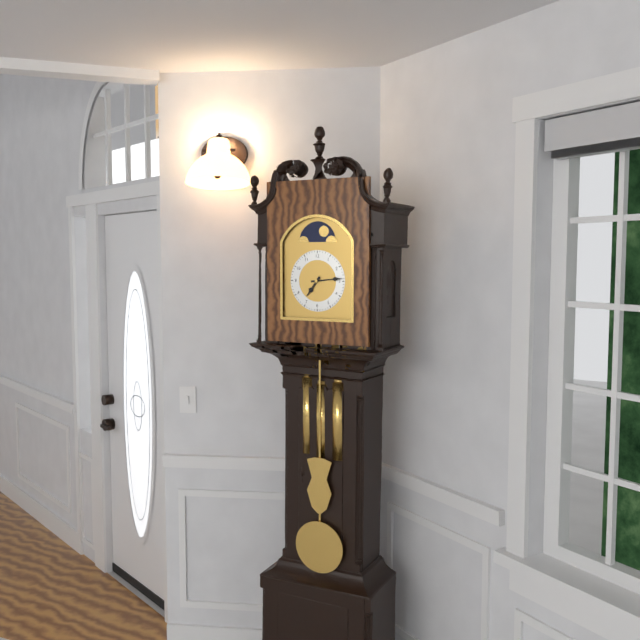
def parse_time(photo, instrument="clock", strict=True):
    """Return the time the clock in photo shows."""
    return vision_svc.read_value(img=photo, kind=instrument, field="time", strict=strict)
7:14
